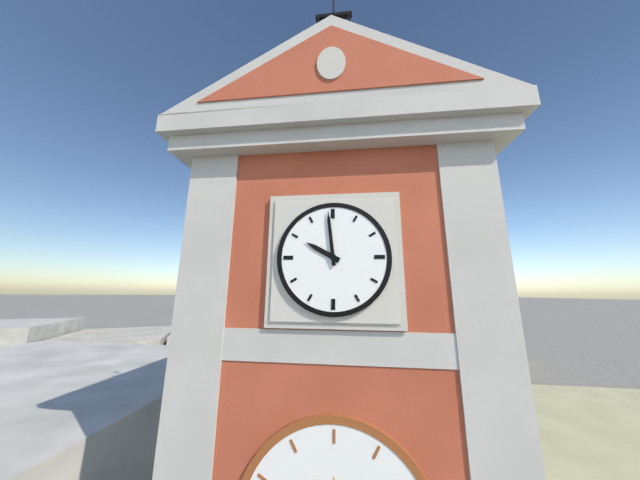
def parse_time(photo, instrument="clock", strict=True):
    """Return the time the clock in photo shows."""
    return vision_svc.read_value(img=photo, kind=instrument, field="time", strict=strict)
9:59
